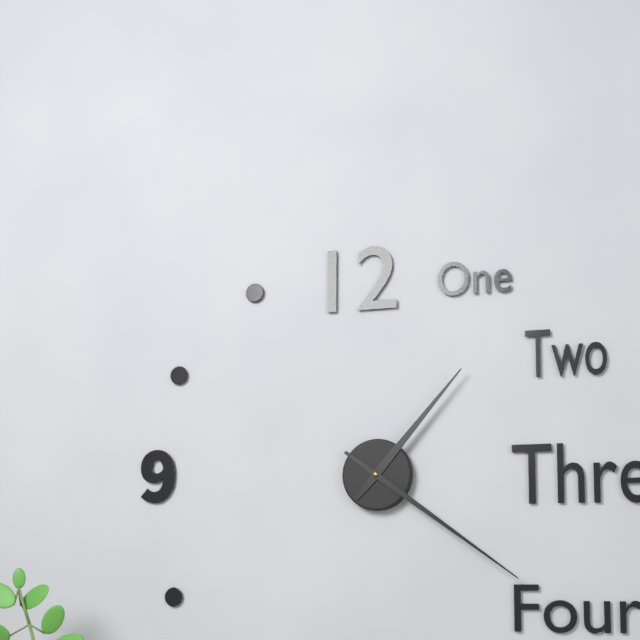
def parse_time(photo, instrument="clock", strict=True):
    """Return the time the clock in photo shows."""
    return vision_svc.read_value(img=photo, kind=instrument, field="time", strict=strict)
1:21
